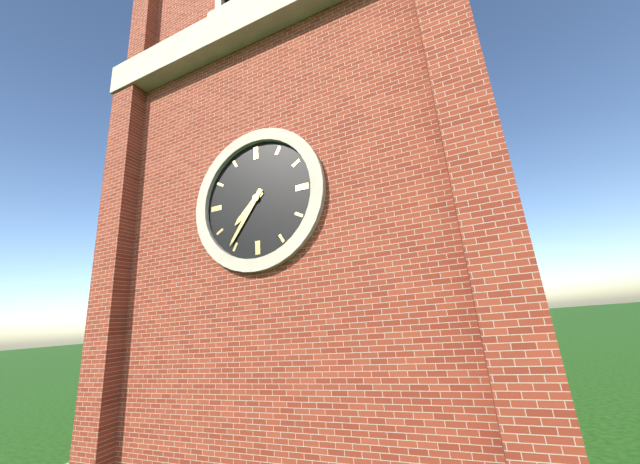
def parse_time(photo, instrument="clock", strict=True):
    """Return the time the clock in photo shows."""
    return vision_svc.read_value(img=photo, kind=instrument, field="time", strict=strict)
7:36
